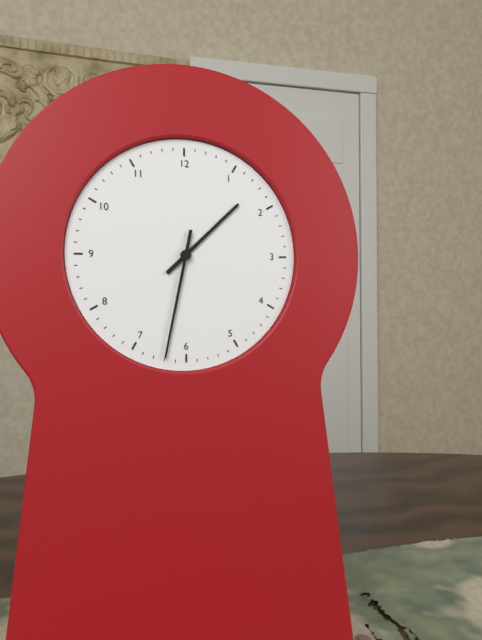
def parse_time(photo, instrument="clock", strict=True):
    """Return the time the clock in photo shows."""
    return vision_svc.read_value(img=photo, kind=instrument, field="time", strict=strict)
1:32
